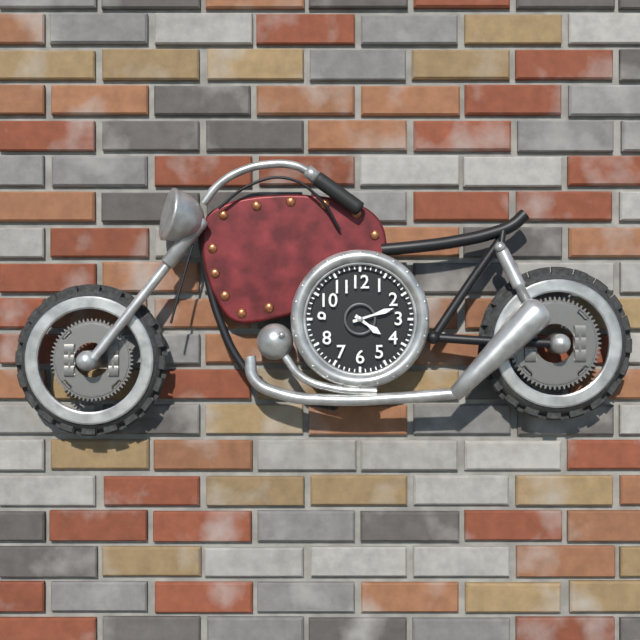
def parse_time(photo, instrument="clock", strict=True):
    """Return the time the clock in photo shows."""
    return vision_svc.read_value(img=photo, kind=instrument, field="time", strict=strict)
4:12
